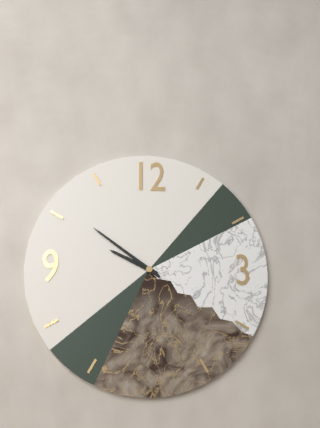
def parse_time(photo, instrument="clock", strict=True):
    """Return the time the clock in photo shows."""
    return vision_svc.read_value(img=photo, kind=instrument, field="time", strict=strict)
9:51
